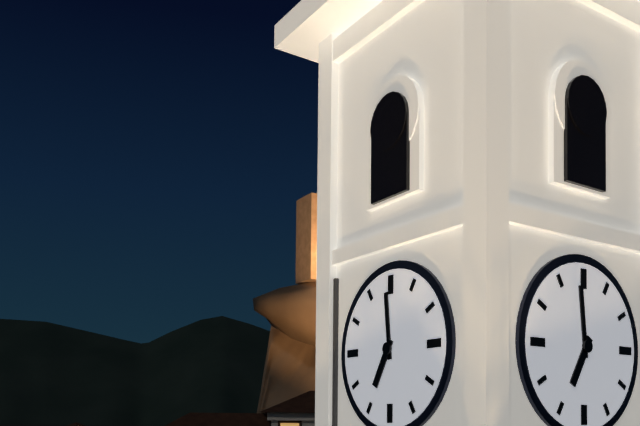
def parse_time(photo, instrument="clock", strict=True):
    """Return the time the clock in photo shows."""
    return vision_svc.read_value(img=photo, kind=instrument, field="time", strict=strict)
6:59
